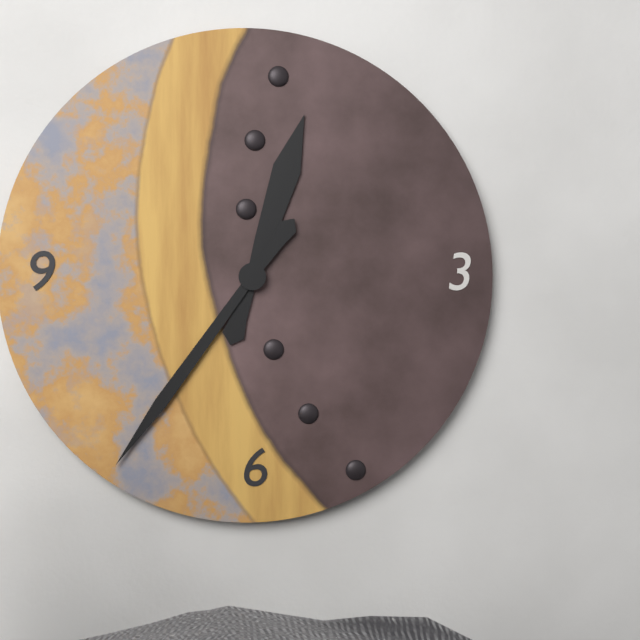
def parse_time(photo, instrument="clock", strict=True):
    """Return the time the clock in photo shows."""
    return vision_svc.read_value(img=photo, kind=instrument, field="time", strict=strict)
12:36
